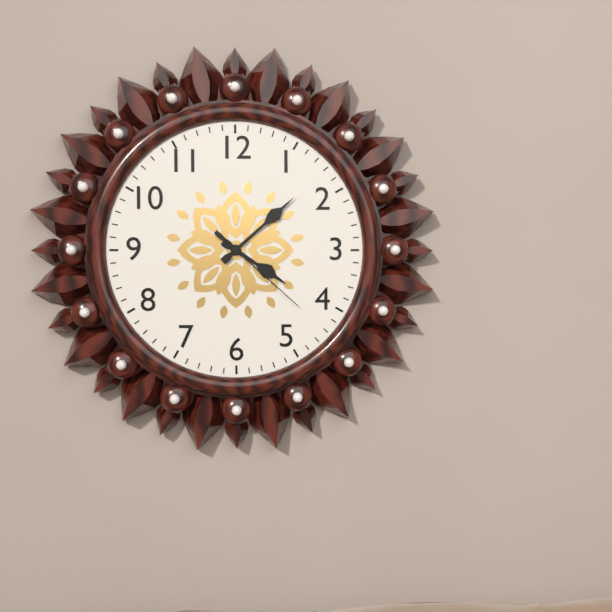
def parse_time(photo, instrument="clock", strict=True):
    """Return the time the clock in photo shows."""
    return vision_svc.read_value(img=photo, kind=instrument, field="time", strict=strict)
4:08:22
